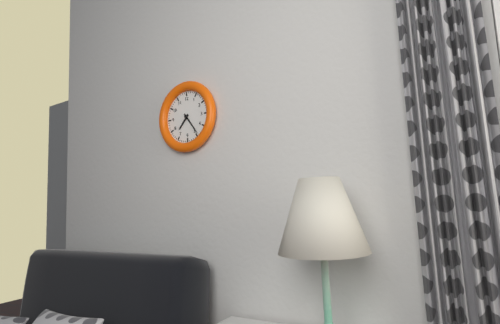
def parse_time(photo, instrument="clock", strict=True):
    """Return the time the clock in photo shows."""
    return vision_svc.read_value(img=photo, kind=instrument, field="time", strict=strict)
7:24
